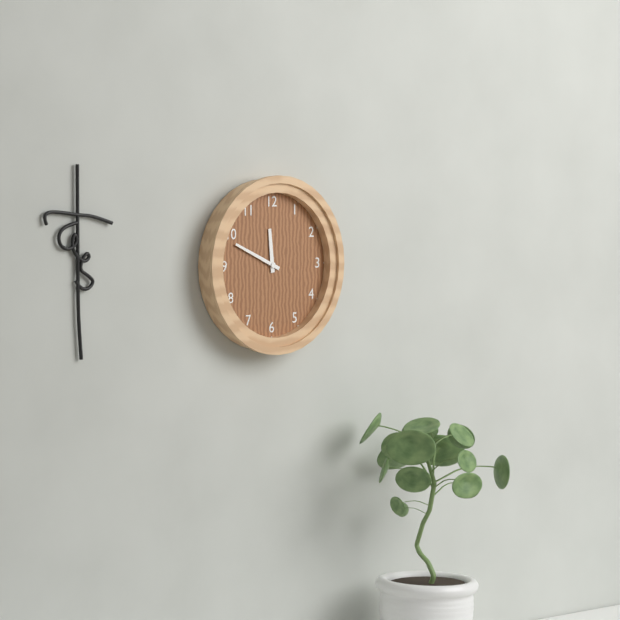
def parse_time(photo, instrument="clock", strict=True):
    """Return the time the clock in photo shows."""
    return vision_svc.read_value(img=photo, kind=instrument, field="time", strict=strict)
11:49
